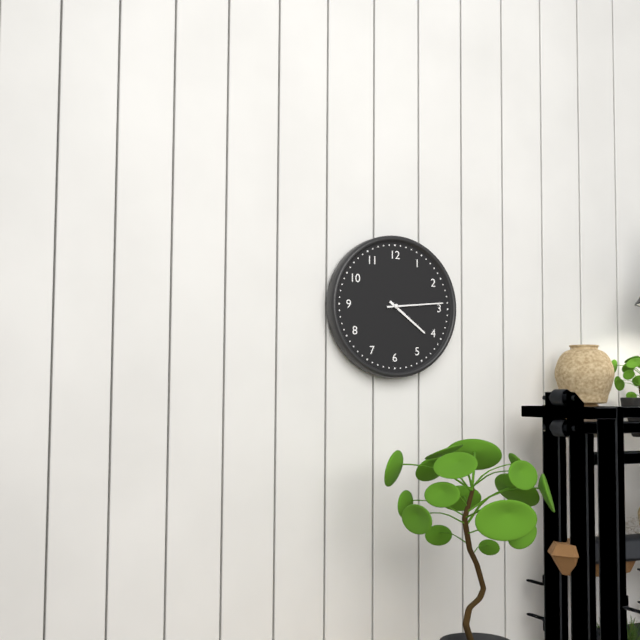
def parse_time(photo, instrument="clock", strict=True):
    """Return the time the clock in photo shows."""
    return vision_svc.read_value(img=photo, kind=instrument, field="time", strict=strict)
4:14
